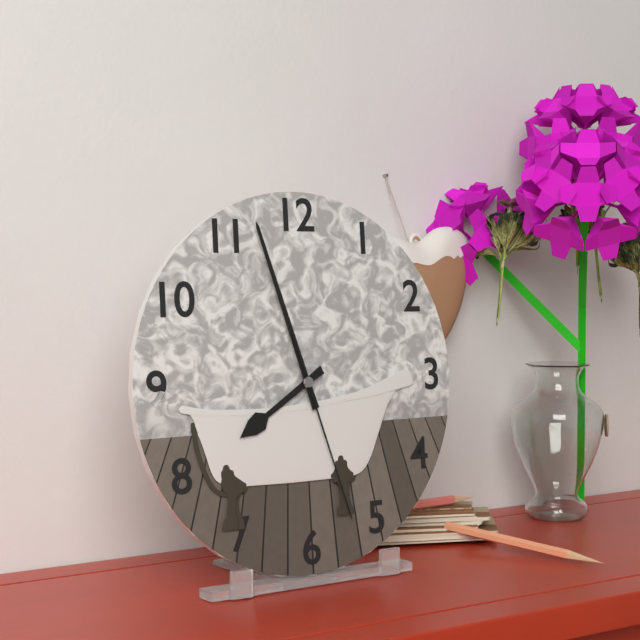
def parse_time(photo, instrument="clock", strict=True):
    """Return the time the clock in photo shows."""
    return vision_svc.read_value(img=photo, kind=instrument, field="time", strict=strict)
7:57:27
